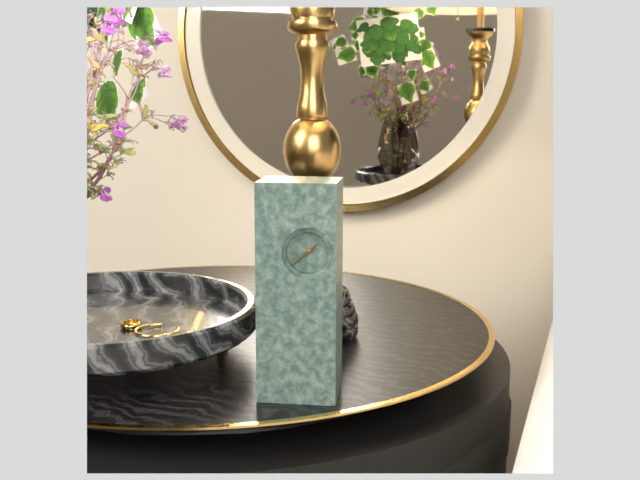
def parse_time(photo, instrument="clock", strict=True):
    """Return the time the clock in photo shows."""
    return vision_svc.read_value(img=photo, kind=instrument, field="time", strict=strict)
1:38
